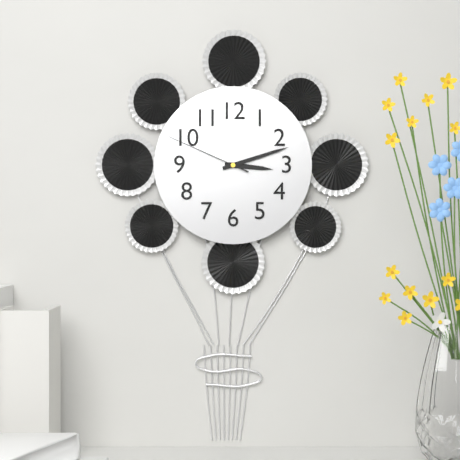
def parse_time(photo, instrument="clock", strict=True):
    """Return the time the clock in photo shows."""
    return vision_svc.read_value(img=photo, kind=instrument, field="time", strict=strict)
3:12:49
